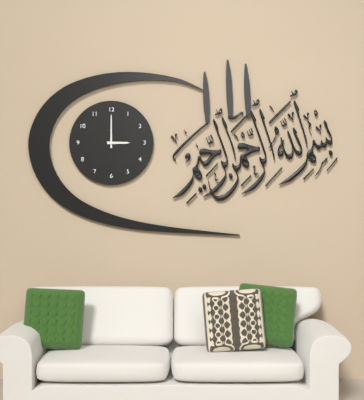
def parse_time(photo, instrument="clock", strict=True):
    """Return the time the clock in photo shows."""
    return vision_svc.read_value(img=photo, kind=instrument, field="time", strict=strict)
3:00
